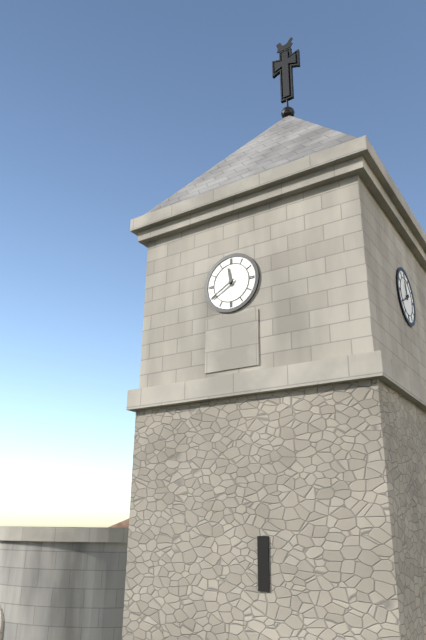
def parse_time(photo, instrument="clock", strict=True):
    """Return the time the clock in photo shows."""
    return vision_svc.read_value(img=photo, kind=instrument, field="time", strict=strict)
11:40
